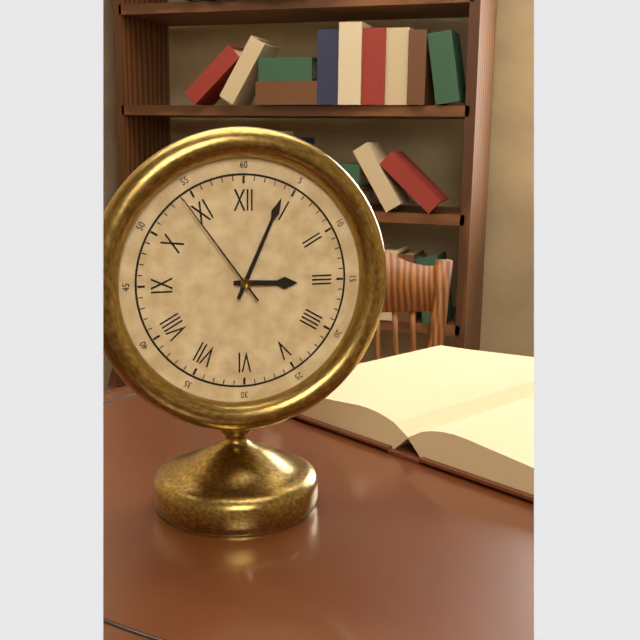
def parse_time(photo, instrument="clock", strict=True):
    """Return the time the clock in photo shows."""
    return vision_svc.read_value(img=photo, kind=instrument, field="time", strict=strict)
3:04:54
